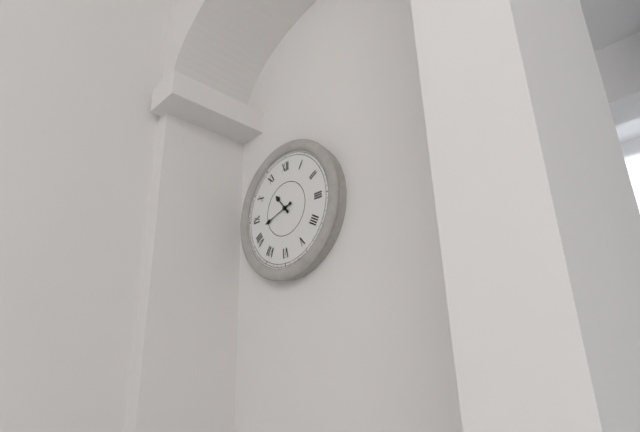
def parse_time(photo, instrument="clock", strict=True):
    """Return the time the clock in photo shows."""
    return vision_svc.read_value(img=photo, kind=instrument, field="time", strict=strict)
10:42
